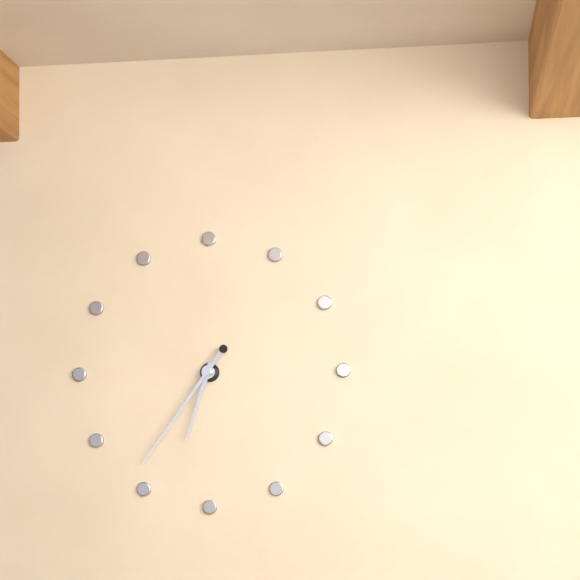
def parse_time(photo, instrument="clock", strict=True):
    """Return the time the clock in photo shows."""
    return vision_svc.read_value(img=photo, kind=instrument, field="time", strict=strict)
6:36
